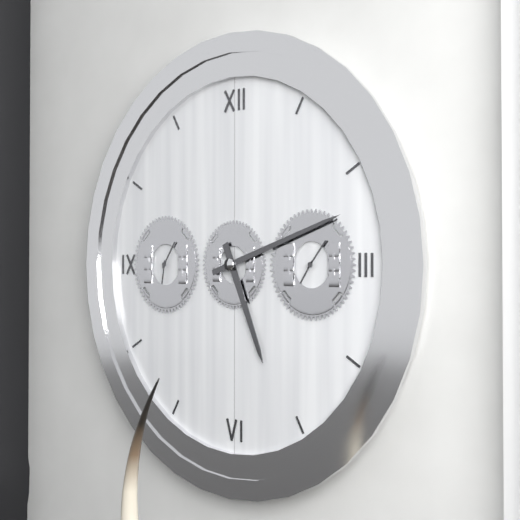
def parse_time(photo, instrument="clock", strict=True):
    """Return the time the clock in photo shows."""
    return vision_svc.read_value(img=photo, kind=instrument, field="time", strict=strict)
5:12
